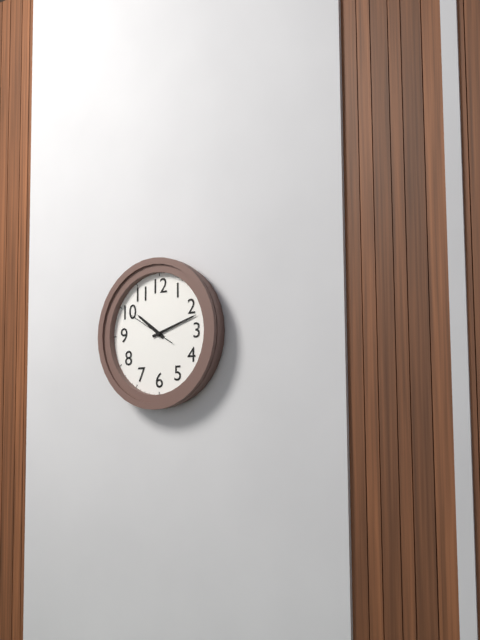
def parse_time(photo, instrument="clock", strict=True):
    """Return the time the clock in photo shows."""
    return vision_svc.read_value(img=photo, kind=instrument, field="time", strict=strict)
10:12
